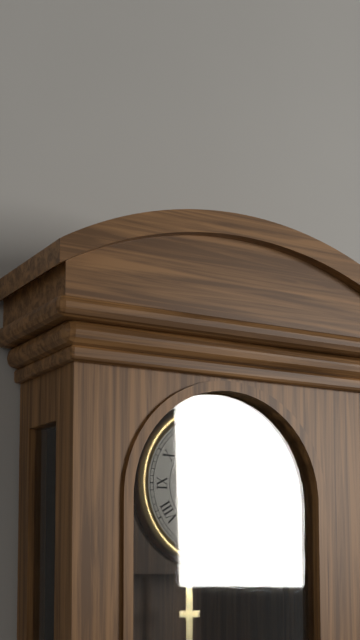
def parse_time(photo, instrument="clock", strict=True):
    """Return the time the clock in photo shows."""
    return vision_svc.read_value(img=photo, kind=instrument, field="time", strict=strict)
11:27
